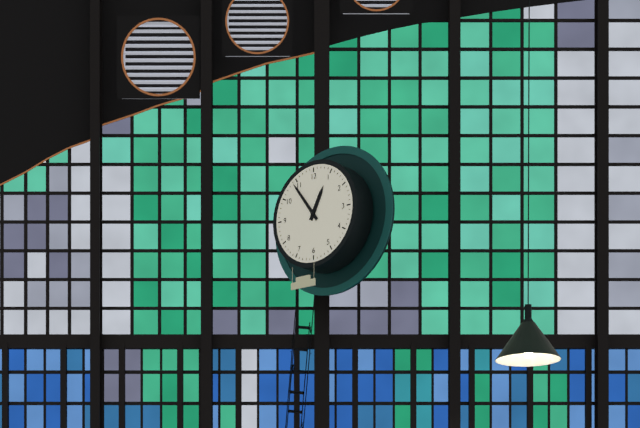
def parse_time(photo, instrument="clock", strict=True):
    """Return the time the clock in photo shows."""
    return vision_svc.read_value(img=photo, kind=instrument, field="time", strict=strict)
12:54
